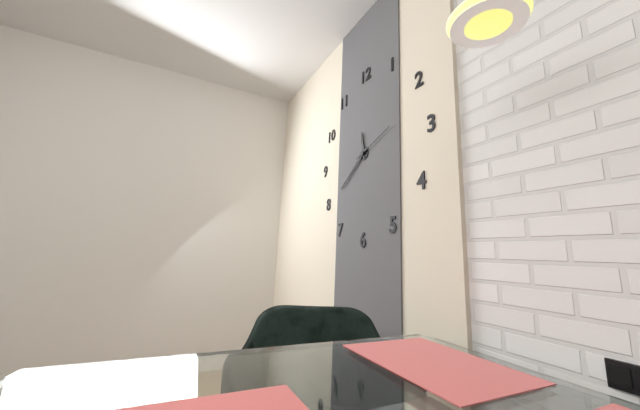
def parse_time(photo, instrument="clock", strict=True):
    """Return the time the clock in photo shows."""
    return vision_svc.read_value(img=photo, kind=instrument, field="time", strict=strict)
11:39
